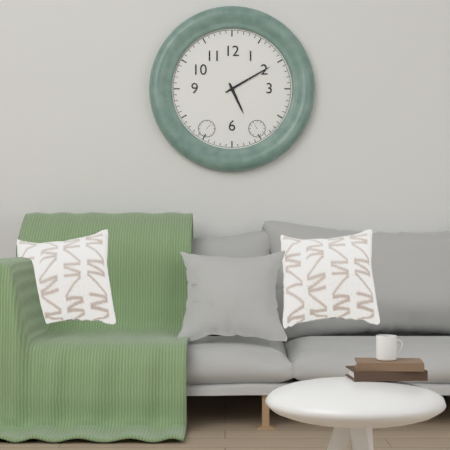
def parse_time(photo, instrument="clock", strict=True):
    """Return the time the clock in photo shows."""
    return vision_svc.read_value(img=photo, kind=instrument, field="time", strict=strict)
5:10
